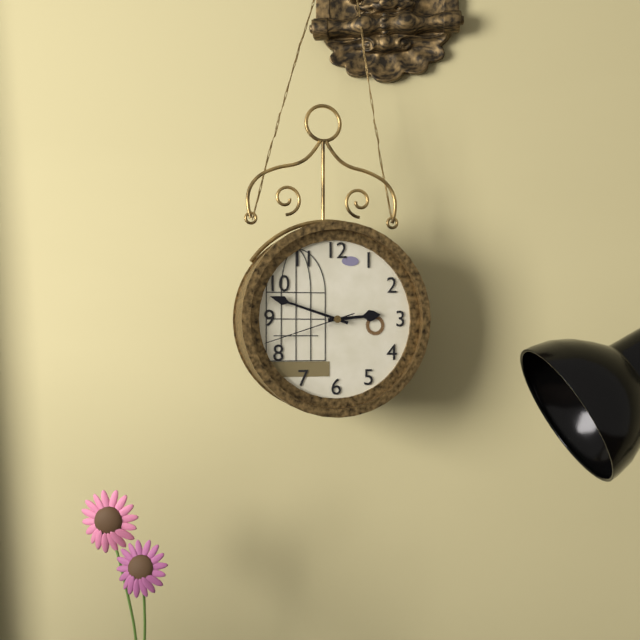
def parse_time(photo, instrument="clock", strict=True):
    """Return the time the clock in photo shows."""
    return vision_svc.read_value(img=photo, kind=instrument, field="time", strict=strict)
2:48:42
